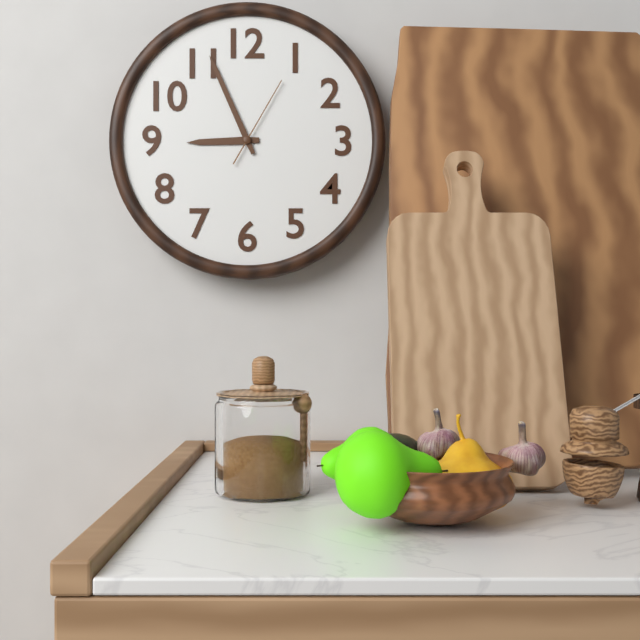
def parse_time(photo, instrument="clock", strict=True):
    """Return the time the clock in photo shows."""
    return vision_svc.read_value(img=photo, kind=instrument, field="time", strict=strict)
8:56:05
